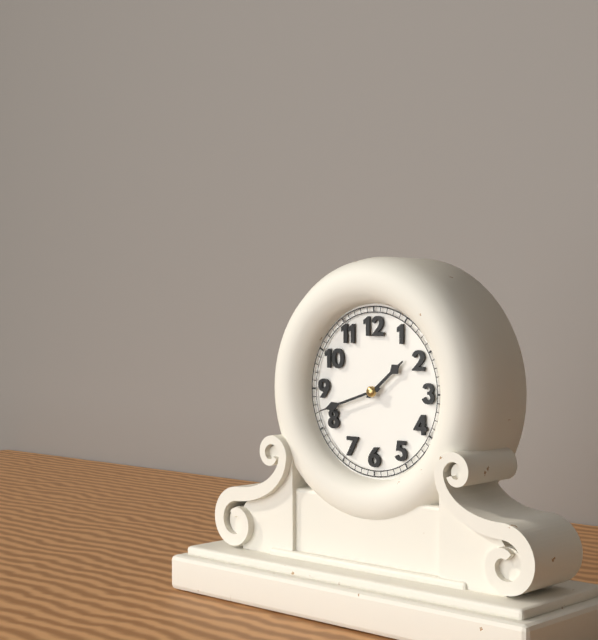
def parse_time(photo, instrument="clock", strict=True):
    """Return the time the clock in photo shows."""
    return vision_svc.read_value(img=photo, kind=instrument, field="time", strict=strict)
1:42
